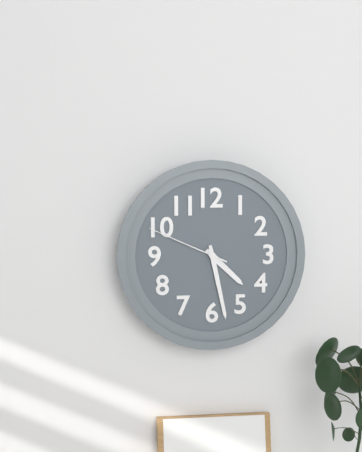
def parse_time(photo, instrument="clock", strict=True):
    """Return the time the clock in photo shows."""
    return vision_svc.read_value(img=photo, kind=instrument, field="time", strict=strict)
4:28:49
